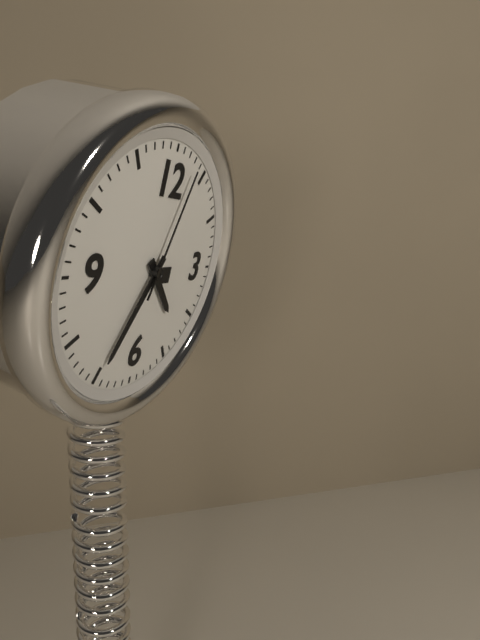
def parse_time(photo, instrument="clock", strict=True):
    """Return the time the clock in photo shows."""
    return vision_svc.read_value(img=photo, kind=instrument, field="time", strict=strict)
4:35:03
